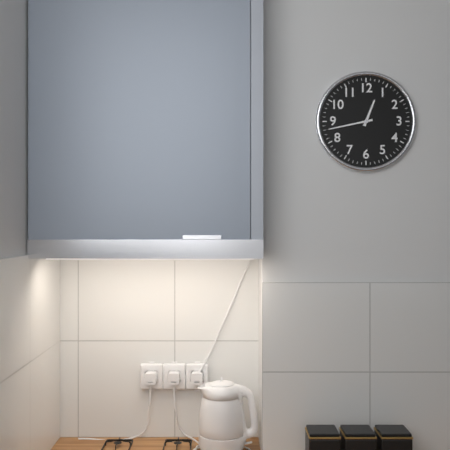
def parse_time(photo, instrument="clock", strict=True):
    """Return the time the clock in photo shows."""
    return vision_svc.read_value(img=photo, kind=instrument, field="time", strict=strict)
12:43
